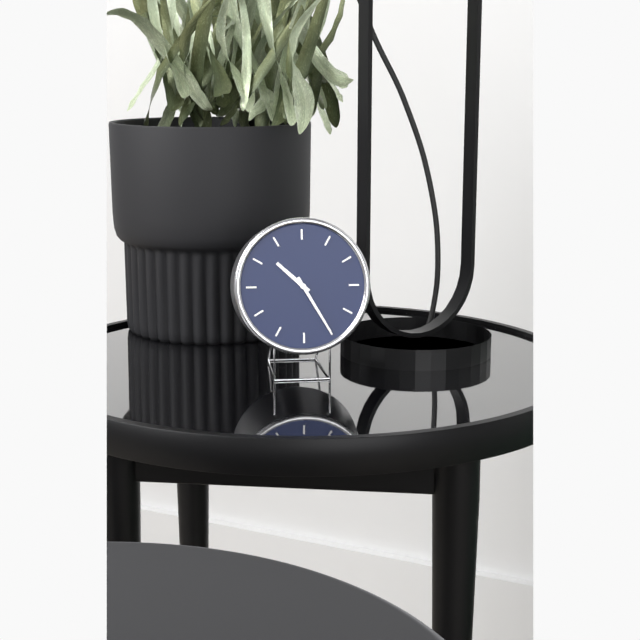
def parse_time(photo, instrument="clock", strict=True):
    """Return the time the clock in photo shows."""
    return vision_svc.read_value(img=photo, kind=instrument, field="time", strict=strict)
10:25
